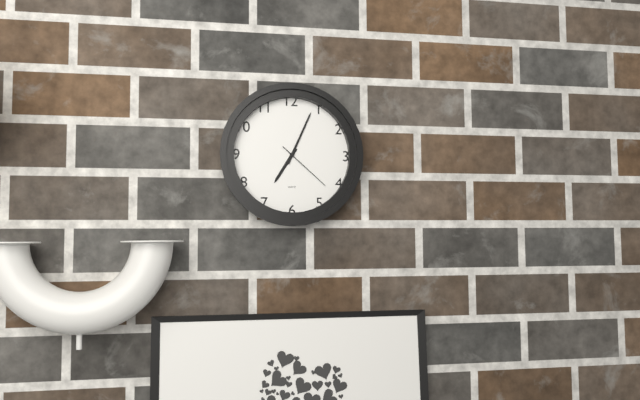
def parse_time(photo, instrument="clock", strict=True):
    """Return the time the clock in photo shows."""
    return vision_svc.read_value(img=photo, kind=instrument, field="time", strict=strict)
7:04:22
